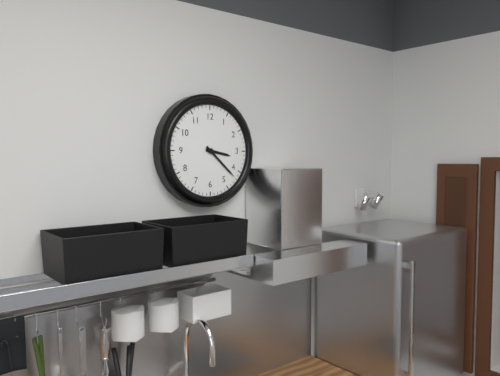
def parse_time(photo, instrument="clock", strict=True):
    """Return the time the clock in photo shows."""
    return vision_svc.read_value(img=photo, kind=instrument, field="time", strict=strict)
3:22
